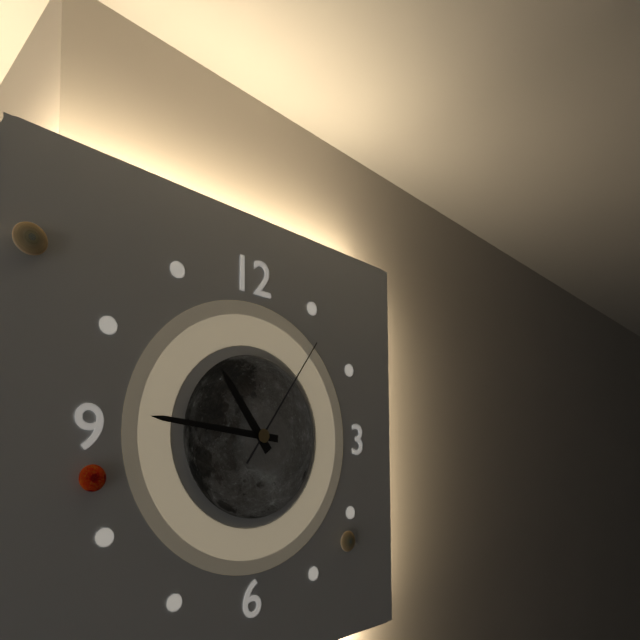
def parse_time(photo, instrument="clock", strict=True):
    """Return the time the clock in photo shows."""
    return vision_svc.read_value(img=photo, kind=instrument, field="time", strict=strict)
10:46:06
